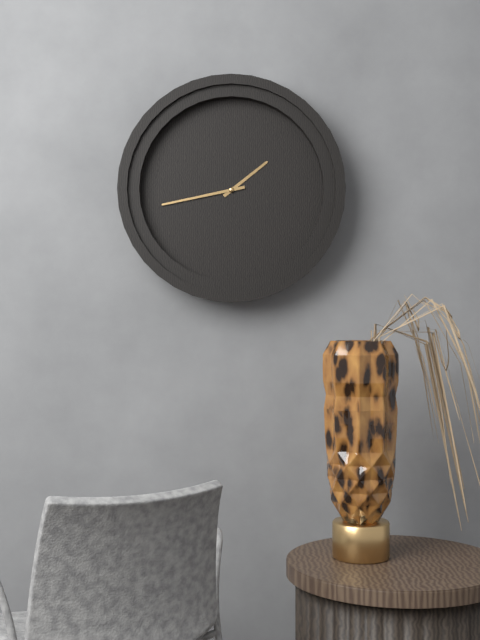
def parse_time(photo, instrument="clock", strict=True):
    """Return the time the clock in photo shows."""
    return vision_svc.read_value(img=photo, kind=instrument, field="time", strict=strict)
1:43
